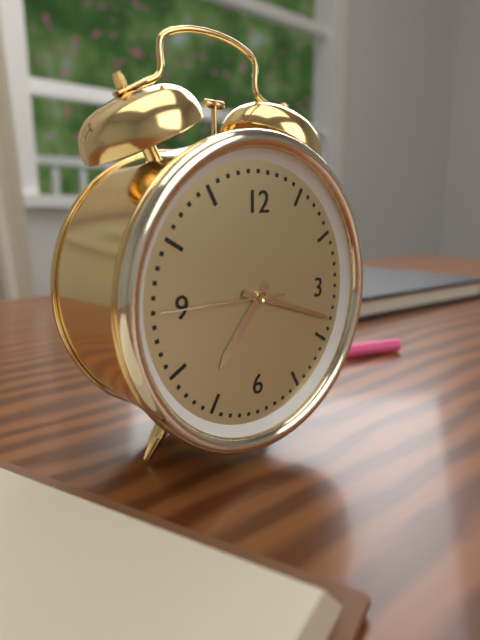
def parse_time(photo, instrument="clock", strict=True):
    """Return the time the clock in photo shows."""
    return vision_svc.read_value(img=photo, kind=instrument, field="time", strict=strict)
7:18:45
